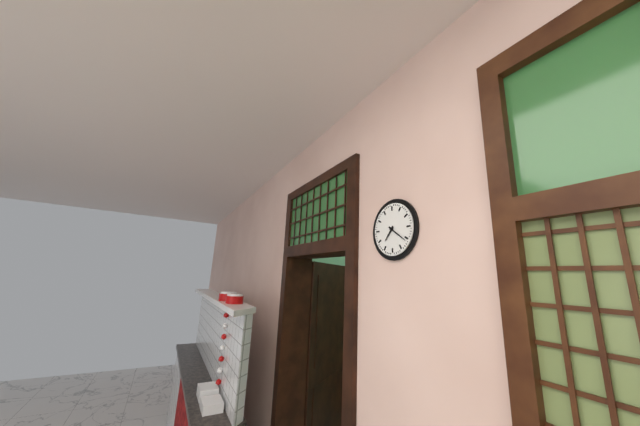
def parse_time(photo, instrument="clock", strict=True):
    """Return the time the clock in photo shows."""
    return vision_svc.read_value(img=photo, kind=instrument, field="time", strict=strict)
7:21
